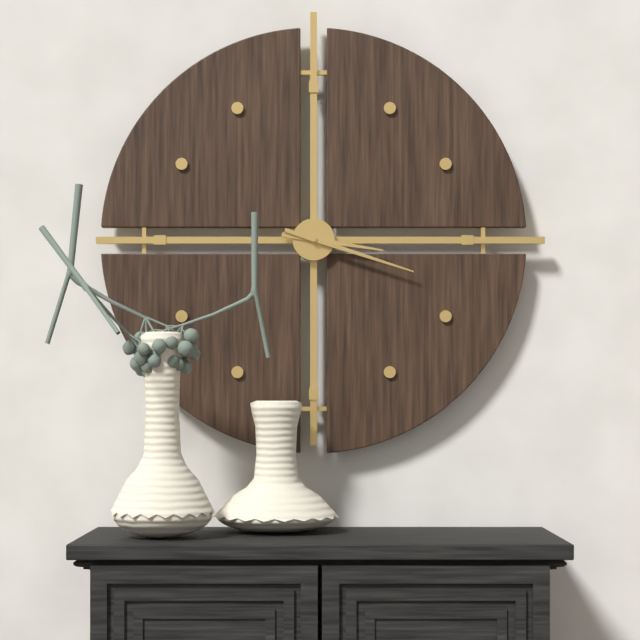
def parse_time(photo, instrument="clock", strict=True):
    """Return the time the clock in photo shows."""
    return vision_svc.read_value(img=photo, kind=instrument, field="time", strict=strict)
3:18
